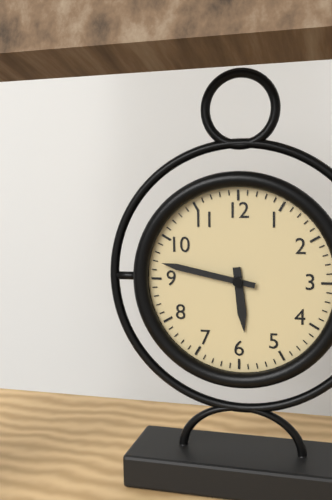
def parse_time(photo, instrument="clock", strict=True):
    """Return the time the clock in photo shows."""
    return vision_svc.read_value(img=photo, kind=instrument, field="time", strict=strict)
5:47
